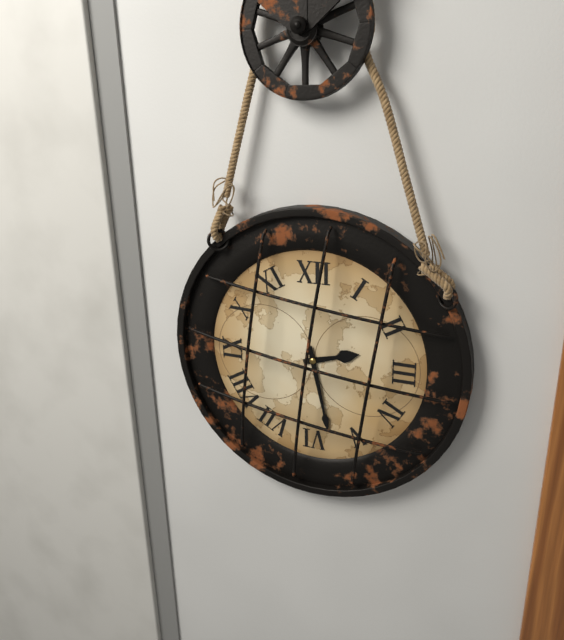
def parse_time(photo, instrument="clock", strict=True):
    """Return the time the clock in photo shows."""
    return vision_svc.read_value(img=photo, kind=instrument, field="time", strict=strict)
2:28
